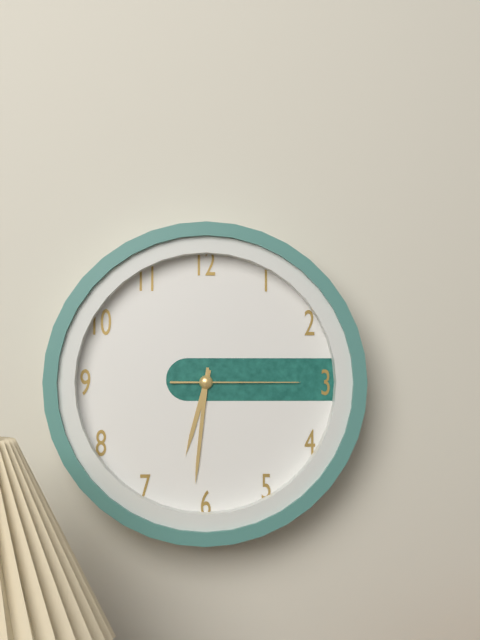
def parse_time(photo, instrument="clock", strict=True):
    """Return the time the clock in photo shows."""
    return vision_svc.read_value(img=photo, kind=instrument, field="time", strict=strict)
6:31:15
